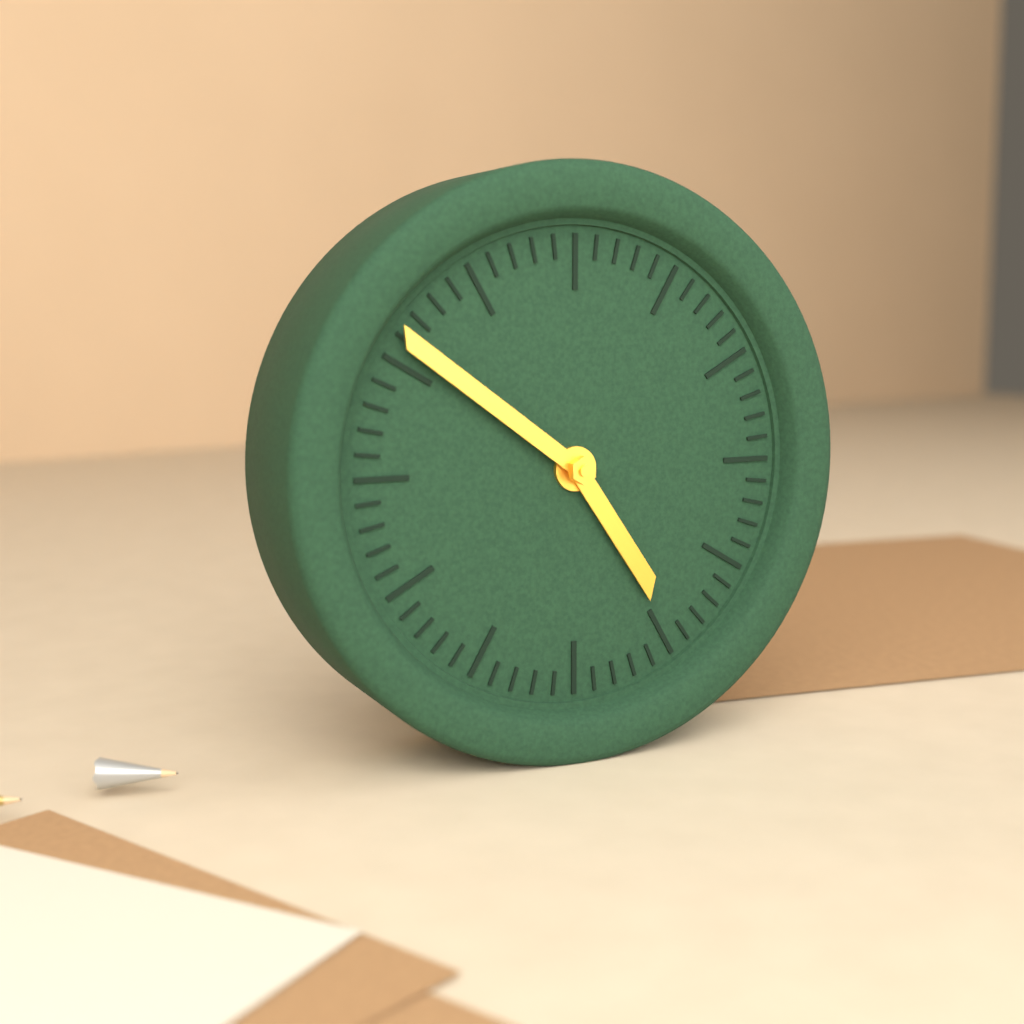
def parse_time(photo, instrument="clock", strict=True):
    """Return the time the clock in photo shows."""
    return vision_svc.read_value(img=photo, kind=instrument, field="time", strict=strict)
4:51
